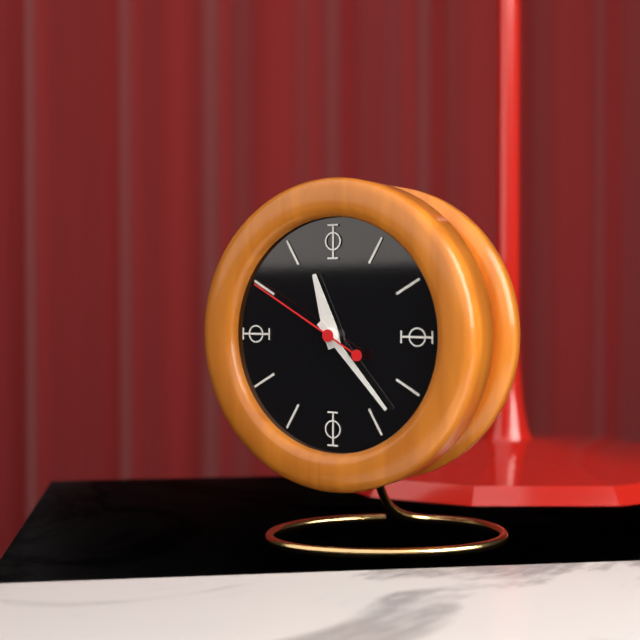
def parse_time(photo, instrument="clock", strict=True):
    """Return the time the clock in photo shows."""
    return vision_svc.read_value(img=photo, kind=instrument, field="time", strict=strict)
11:23:50
